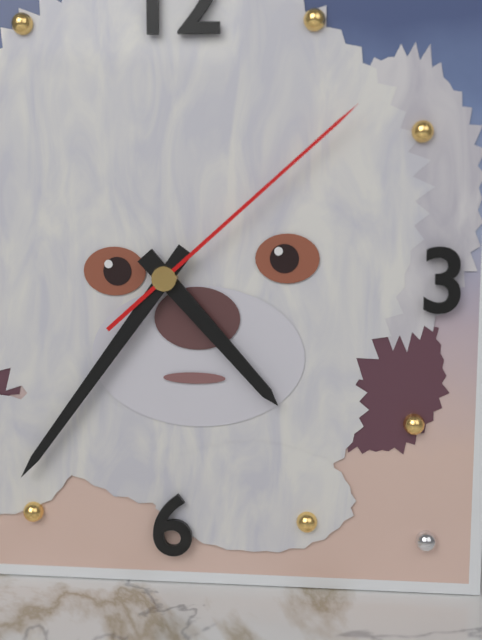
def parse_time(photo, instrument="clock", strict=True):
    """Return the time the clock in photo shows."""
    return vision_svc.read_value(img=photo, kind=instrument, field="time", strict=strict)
4:36:08
